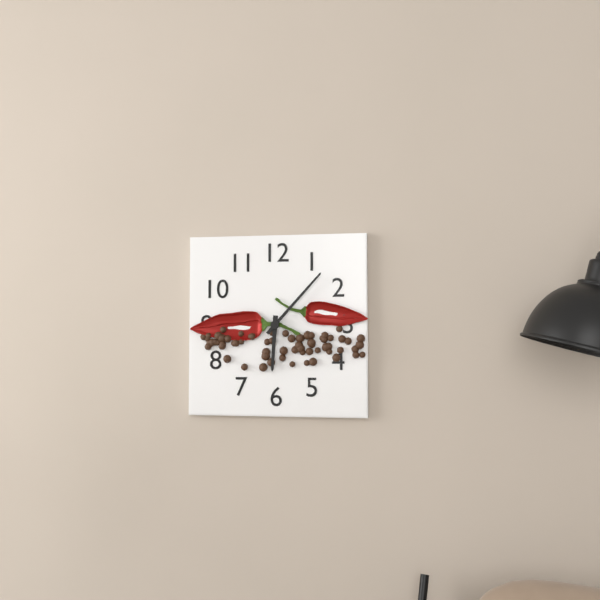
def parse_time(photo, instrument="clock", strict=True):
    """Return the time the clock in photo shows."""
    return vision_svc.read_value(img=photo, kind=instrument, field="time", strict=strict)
6:07
